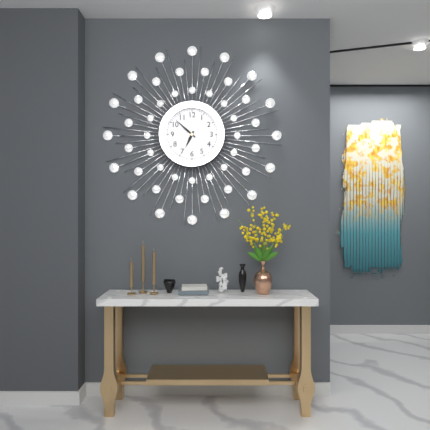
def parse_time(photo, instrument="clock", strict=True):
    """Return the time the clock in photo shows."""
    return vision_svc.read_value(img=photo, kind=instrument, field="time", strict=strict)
6:52
